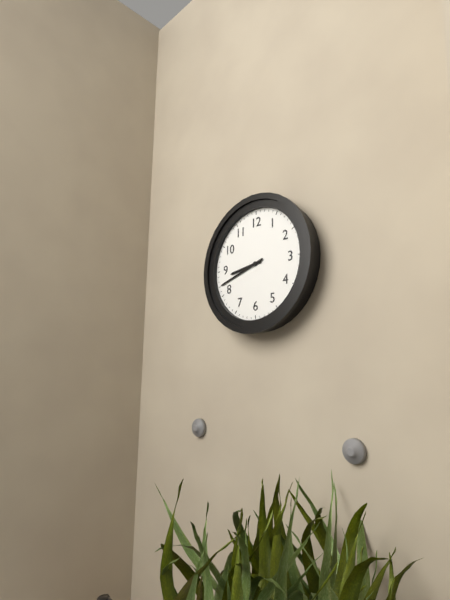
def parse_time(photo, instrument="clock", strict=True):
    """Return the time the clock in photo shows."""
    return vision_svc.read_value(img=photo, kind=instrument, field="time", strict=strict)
8:42
